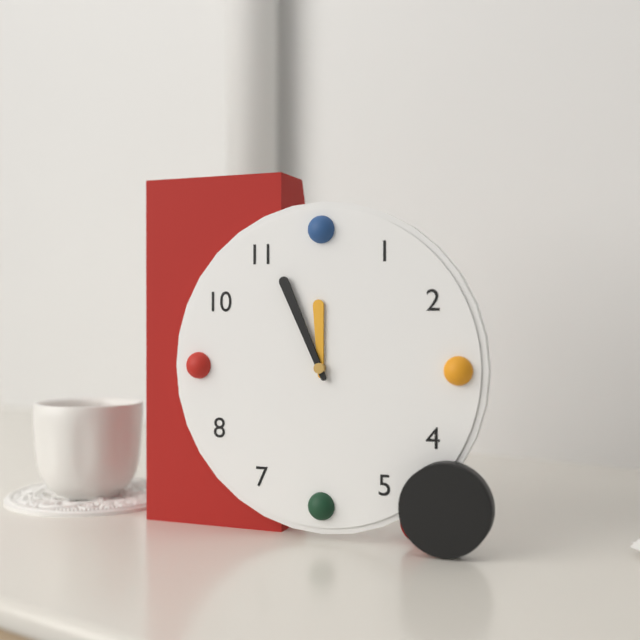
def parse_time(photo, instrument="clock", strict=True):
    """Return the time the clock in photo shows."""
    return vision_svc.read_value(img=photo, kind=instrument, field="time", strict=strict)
11:56
